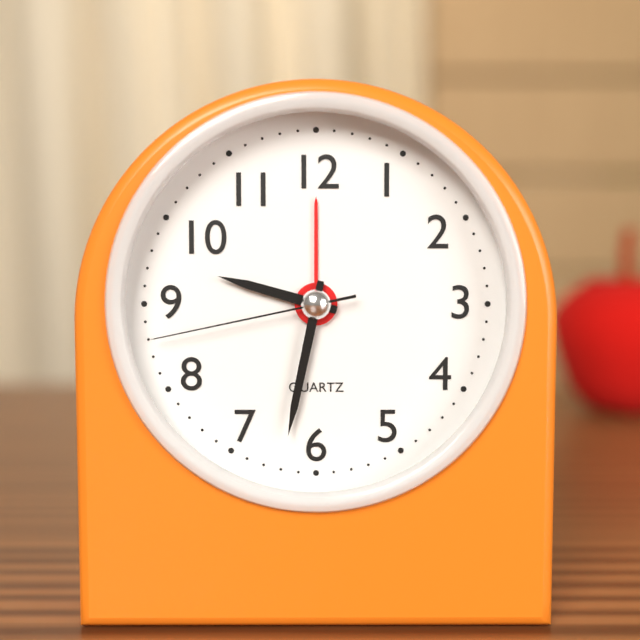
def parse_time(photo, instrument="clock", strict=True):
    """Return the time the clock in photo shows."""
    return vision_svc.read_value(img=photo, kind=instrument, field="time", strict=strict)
9:32:43
